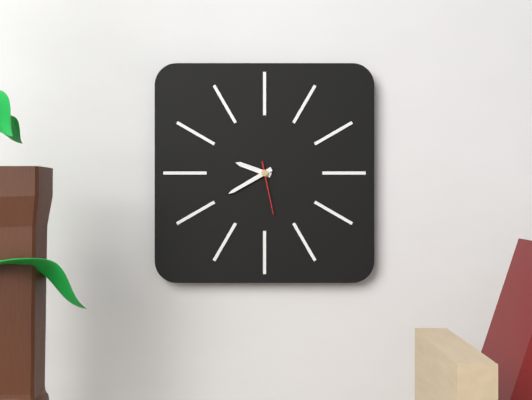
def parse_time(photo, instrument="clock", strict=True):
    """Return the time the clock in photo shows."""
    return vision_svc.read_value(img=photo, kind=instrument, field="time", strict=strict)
9:40:28
